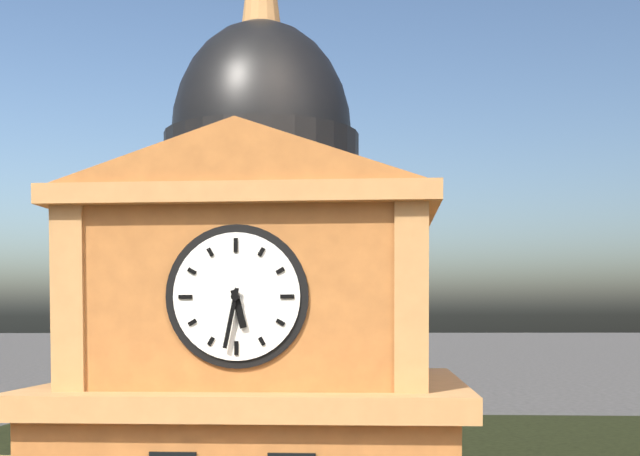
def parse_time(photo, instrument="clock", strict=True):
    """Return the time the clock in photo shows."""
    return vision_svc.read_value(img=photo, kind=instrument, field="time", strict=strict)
5:32
